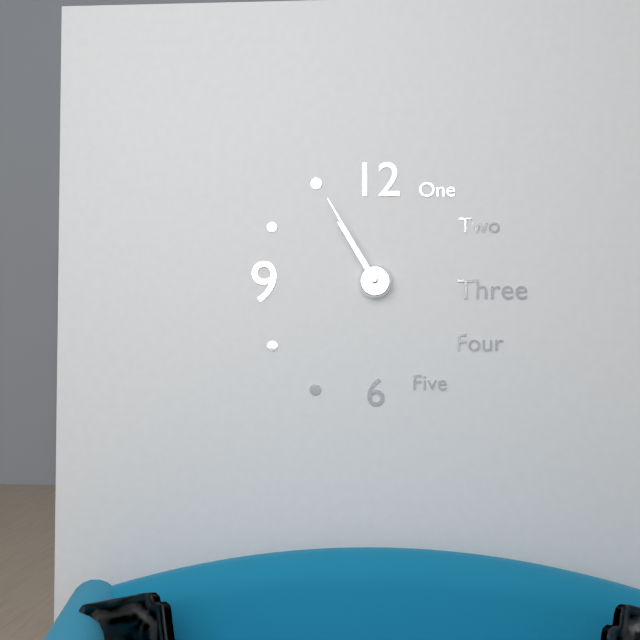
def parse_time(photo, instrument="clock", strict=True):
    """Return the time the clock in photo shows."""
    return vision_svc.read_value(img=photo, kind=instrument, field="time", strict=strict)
10:55
